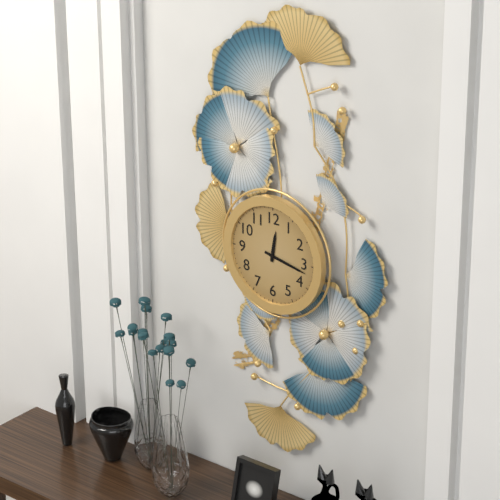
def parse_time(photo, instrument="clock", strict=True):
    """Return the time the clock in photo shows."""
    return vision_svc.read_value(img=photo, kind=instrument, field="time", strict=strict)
12:17
